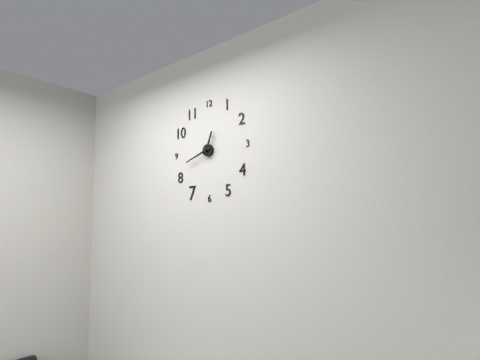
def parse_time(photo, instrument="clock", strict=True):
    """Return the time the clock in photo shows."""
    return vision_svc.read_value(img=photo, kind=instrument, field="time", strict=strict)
12:42
